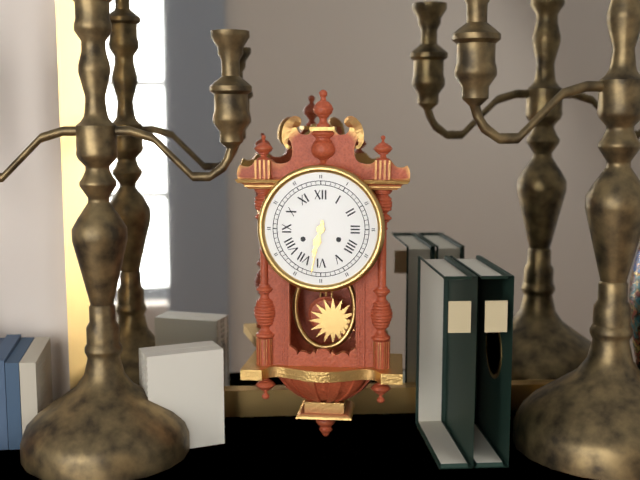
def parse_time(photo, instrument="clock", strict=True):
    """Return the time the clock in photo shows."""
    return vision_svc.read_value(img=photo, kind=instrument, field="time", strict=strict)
6:32
